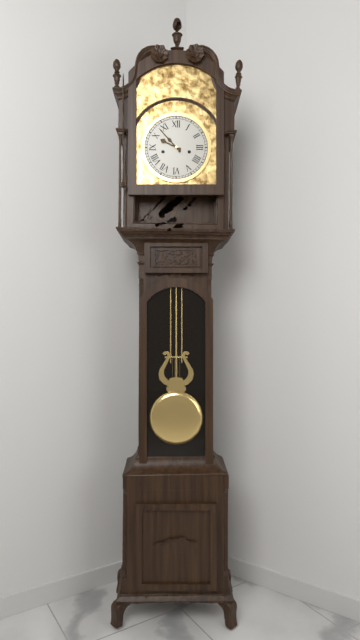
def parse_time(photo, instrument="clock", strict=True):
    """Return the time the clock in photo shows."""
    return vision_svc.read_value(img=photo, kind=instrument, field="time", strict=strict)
9:53
